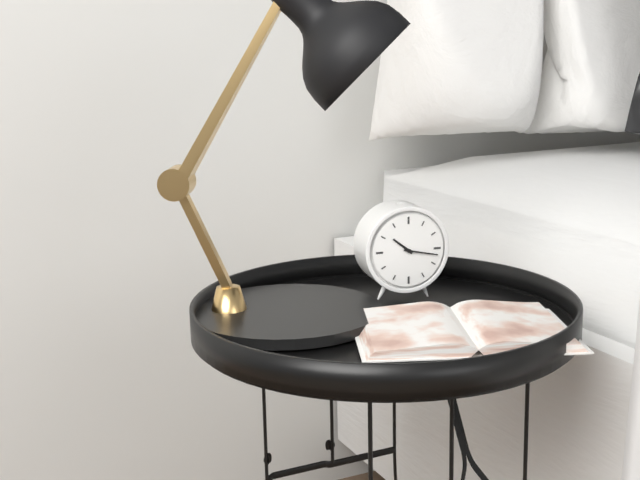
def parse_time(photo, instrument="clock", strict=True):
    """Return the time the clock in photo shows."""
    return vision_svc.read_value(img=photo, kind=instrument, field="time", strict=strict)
10:17
